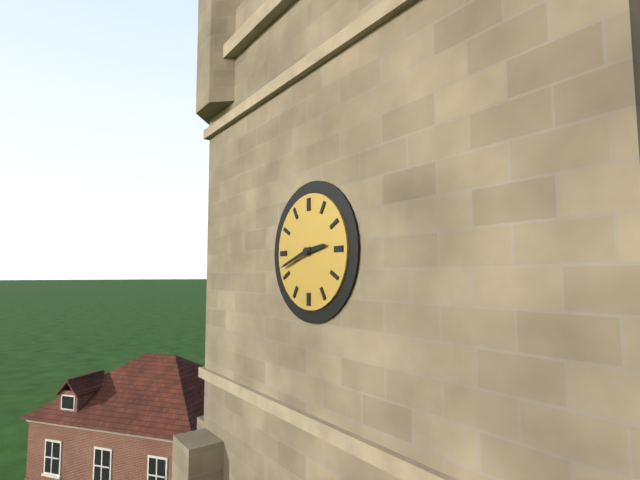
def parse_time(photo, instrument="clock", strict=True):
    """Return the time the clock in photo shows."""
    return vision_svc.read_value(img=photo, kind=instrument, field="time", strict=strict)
2:42
